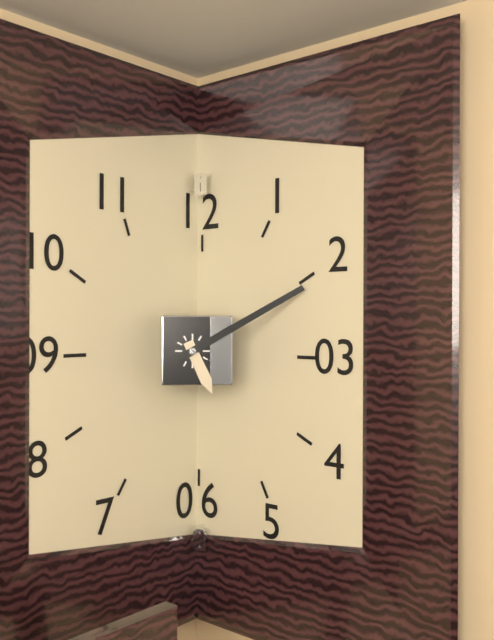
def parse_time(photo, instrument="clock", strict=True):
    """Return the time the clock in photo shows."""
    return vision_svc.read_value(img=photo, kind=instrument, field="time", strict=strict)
5:10
